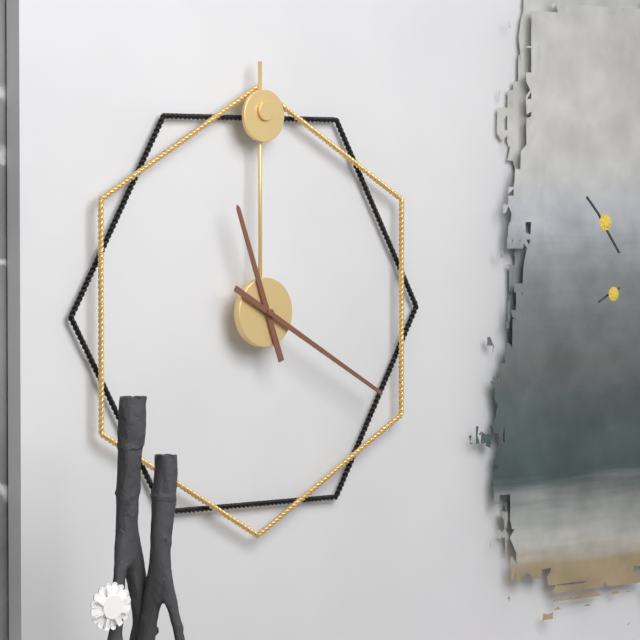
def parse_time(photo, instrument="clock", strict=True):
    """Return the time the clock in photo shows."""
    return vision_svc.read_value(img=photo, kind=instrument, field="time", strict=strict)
11:20
